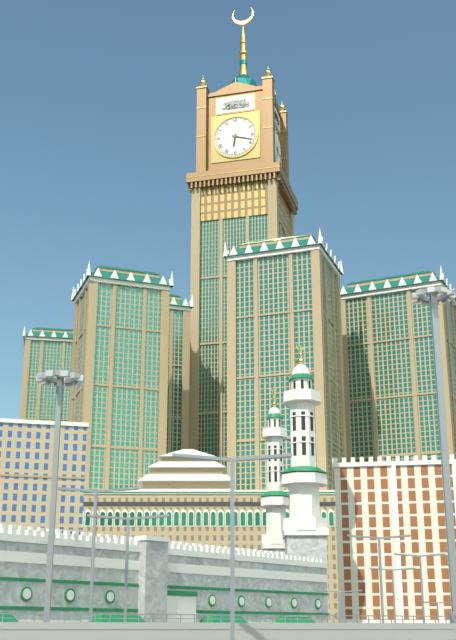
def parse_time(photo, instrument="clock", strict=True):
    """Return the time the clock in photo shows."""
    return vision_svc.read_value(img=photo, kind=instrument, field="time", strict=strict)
6:18
